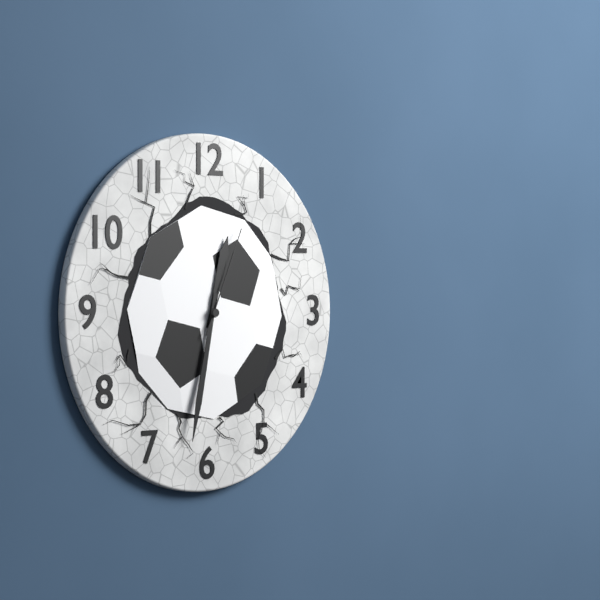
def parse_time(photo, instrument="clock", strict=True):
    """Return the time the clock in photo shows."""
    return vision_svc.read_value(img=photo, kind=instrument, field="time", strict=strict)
12:32:04
